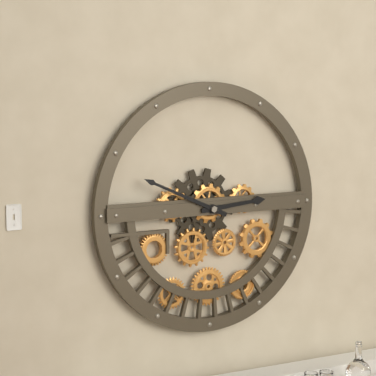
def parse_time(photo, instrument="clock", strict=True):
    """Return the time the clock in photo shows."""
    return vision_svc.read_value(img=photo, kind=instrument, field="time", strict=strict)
2:49
